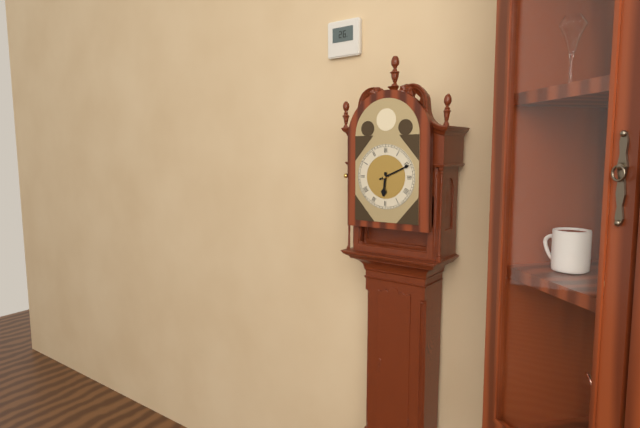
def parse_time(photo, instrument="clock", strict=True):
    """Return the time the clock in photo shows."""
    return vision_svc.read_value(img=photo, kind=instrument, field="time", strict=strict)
6:11
